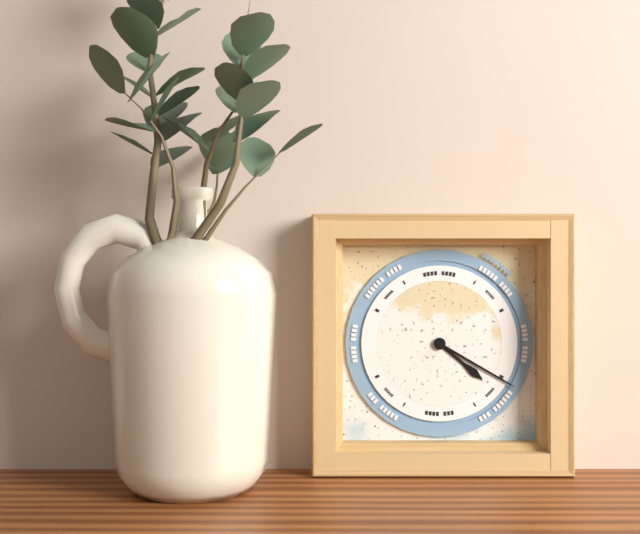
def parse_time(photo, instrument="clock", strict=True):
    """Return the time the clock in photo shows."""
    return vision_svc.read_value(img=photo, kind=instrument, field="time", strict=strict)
4:20
